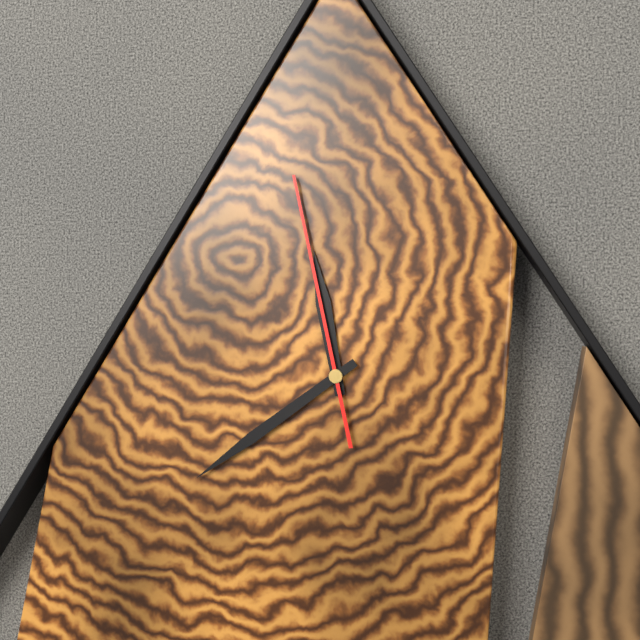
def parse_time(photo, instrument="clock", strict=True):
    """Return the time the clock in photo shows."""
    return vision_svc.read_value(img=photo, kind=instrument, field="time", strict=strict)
11:39:58
